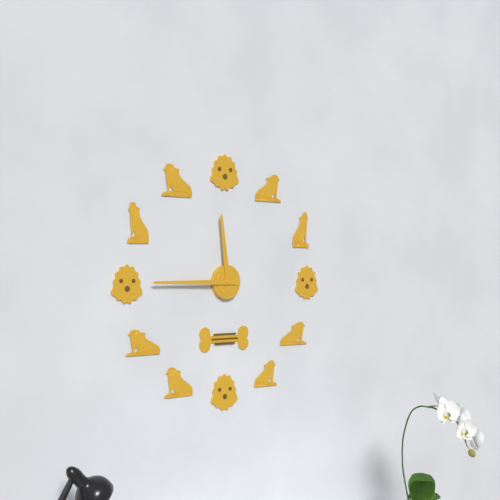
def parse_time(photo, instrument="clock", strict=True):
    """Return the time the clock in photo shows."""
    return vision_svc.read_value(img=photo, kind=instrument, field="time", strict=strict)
11:45
